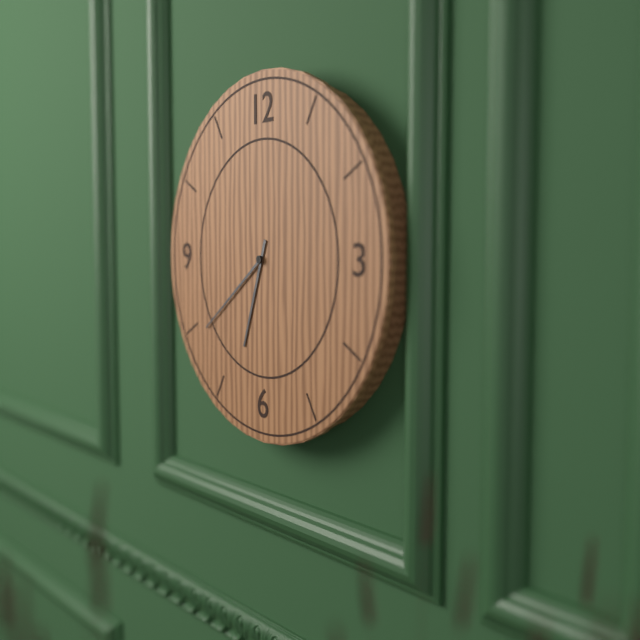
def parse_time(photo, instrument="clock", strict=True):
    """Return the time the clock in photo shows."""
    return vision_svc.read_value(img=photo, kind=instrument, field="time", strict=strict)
6:39
